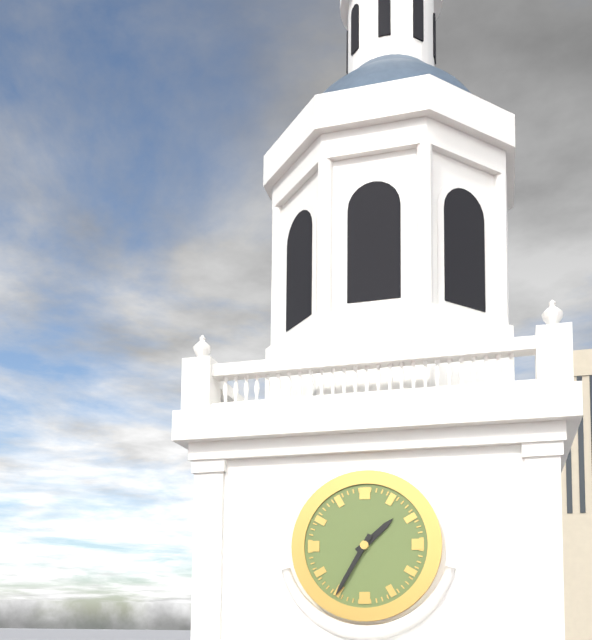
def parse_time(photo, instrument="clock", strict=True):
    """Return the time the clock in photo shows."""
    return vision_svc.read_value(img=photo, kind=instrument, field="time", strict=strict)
1:35
